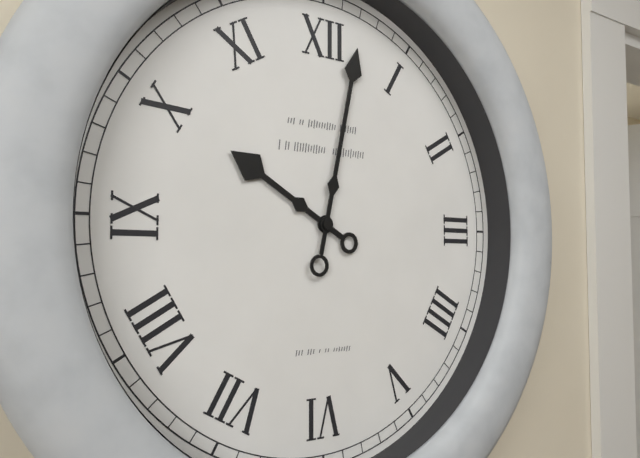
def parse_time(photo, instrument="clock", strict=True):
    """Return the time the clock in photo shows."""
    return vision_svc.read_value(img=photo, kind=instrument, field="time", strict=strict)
10:02
